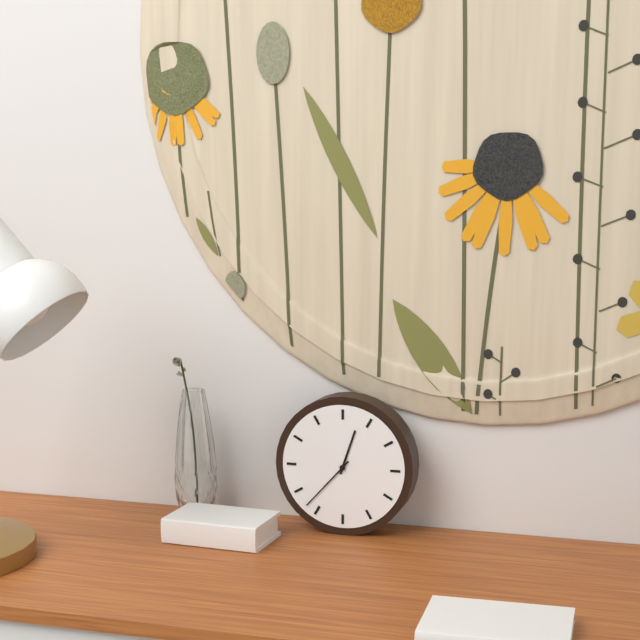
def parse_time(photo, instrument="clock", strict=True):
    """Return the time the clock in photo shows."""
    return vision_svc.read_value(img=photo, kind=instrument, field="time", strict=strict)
12:37
